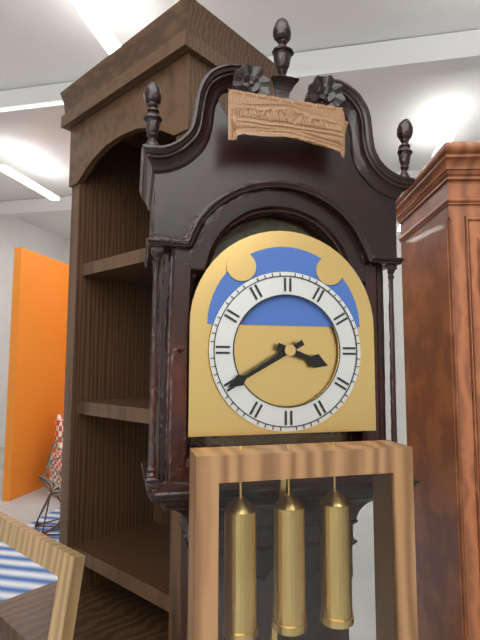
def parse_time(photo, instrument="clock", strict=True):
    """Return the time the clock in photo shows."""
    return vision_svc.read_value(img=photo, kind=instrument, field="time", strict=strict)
3:40
